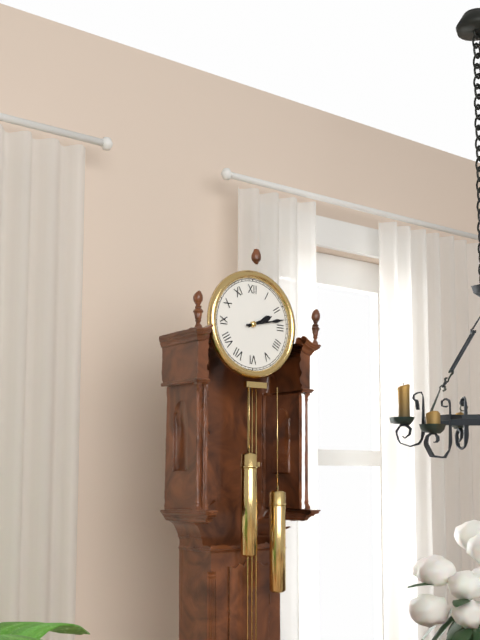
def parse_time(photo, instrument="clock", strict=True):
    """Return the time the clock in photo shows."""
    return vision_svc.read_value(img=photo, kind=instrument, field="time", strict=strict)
2:13
